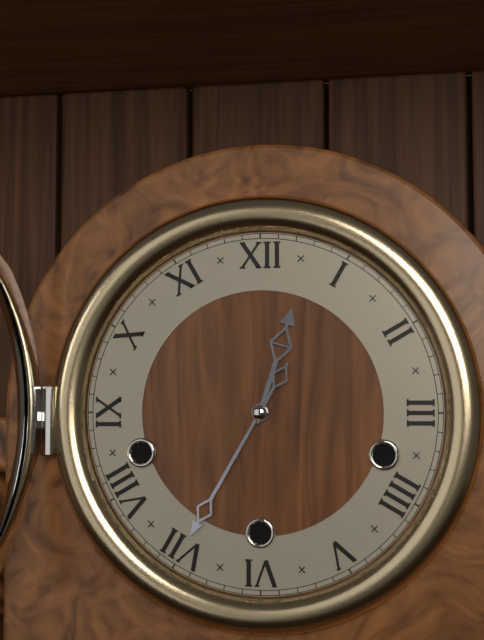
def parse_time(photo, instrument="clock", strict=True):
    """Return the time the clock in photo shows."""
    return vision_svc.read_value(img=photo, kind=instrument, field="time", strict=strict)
12:35
